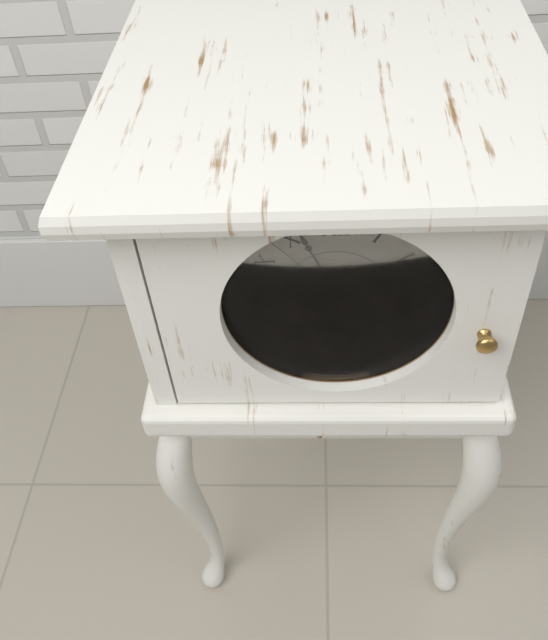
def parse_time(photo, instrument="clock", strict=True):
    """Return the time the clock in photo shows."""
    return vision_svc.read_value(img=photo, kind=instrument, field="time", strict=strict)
4:56:53
